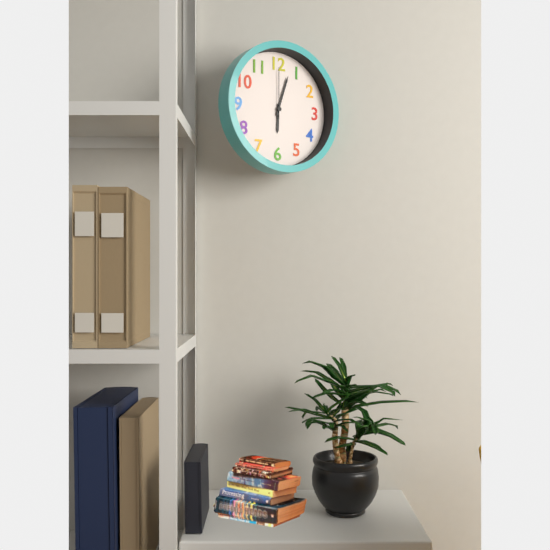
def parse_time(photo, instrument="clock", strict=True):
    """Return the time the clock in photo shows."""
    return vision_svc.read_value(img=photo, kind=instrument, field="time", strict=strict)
6:03:00
